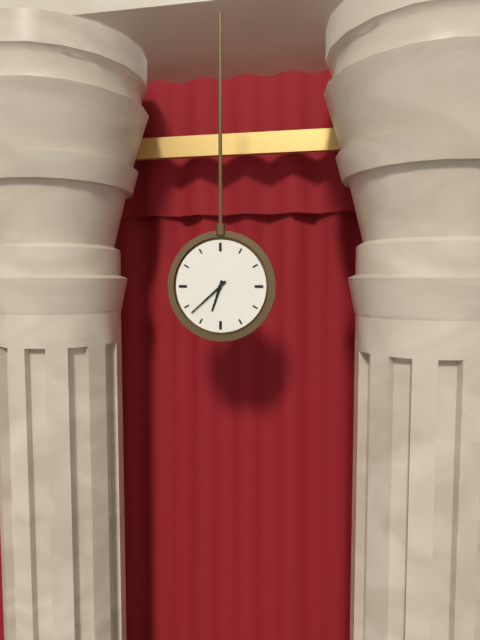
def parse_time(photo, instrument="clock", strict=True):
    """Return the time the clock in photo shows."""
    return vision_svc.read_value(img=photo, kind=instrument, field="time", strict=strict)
6:38
